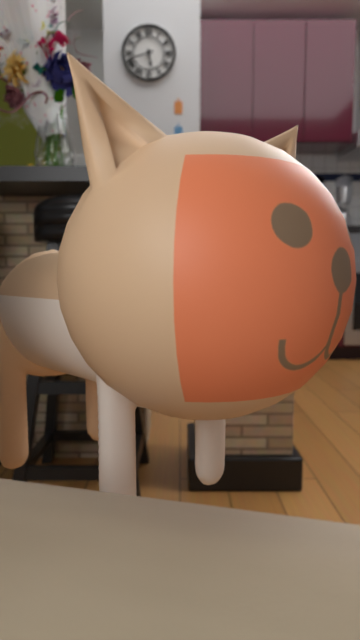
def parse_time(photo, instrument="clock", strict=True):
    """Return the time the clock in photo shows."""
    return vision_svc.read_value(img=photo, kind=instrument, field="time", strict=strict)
5:42
